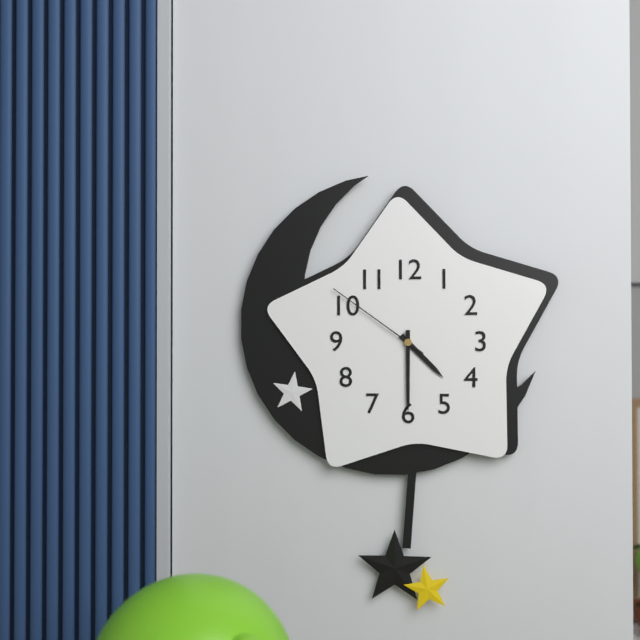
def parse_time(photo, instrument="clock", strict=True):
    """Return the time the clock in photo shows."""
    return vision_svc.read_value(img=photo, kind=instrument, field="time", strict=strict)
4:30:51
